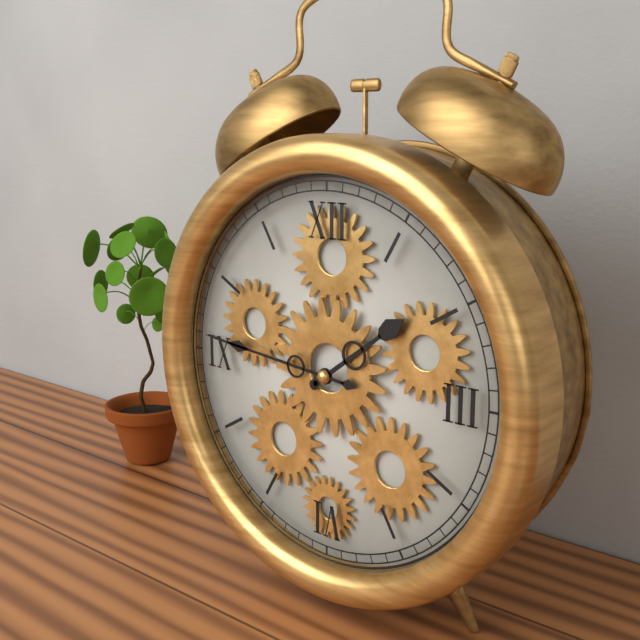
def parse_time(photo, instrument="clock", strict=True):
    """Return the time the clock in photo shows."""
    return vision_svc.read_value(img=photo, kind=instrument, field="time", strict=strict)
1:46
